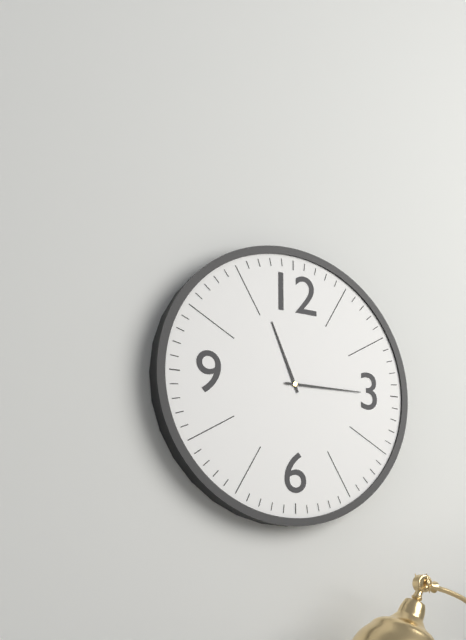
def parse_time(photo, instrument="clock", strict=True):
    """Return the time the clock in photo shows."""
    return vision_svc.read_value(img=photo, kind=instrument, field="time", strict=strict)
11:15
